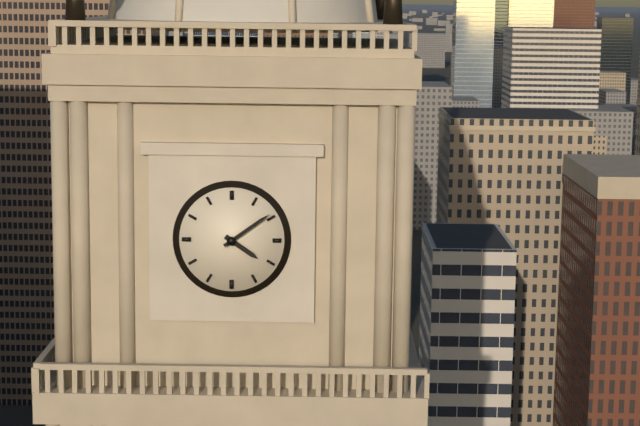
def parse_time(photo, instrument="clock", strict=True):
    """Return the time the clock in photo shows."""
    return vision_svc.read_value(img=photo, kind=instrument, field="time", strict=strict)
4:09
